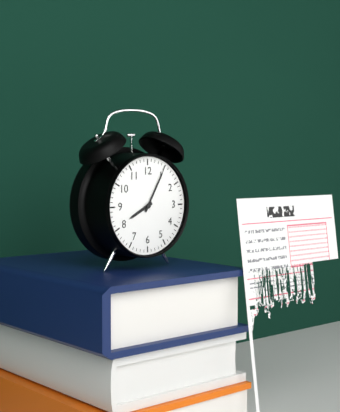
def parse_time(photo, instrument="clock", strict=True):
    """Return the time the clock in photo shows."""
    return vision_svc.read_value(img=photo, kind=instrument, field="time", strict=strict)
8:05
